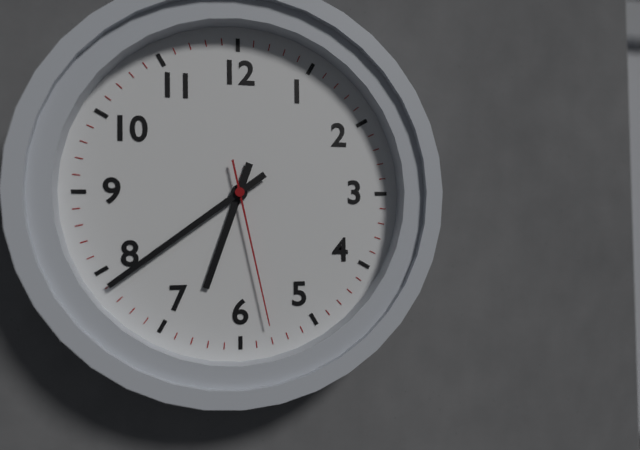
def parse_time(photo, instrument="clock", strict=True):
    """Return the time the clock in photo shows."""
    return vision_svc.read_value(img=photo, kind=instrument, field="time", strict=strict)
6:39:28
